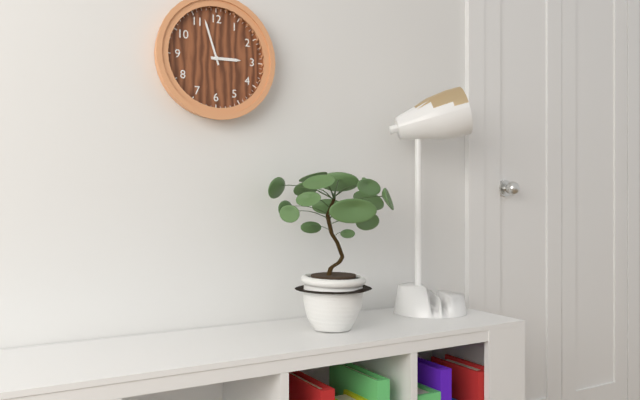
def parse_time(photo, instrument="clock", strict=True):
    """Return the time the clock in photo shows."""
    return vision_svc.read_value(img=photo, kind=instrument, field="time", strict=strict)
2:57
